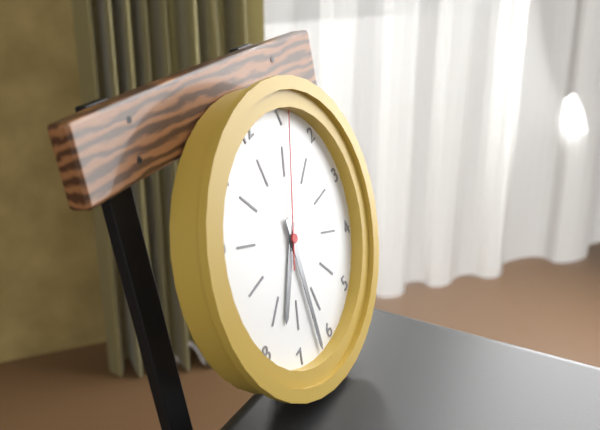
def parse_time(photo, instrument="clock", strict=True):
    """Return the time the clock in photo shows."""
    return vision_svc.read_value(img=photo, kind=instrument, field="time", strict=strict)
7:32:06
